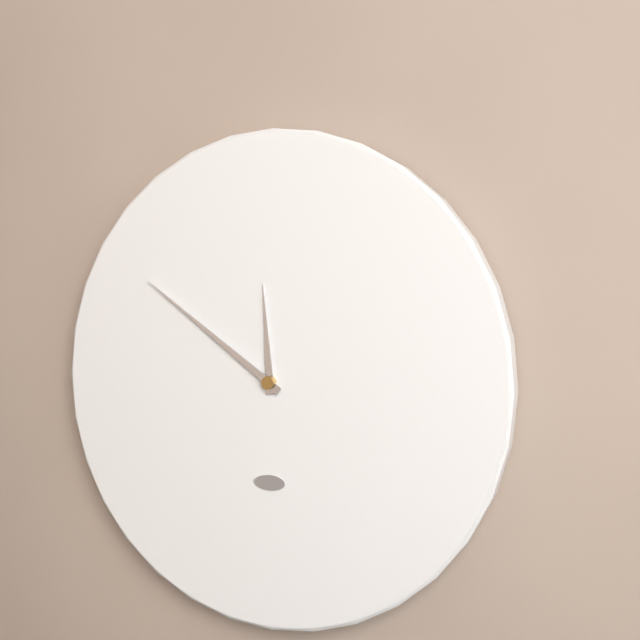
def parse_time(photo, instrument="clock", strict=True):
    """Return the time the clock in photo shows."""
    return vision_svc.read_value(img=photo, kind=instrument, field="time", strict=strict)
11:51
